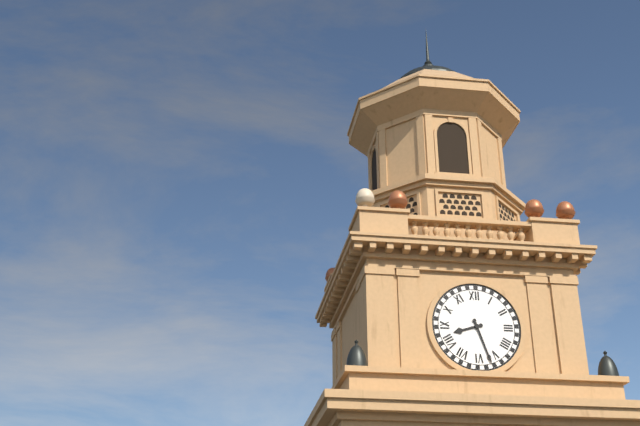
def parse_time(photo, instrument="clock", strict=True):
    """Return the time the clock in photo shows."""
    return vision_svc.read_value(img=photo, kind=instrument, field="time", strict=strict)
8:27
